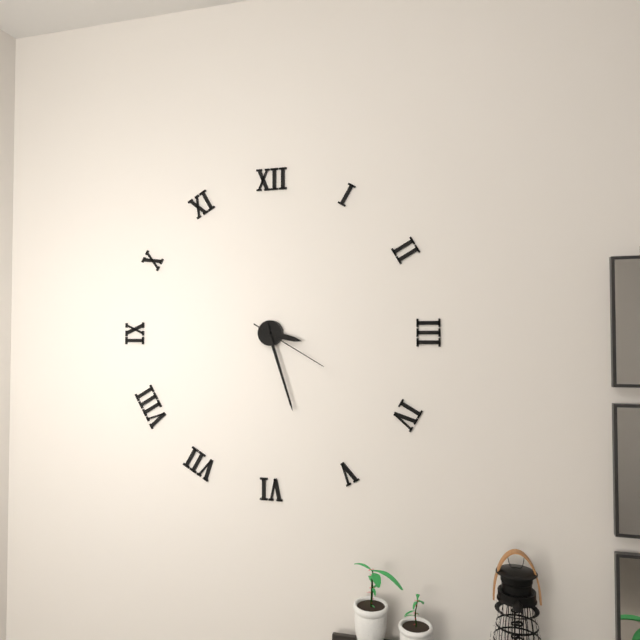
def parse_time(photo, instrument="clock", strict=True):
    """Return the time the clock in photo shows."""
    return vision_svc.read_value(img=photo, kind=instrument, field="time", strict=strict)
3:27:20
